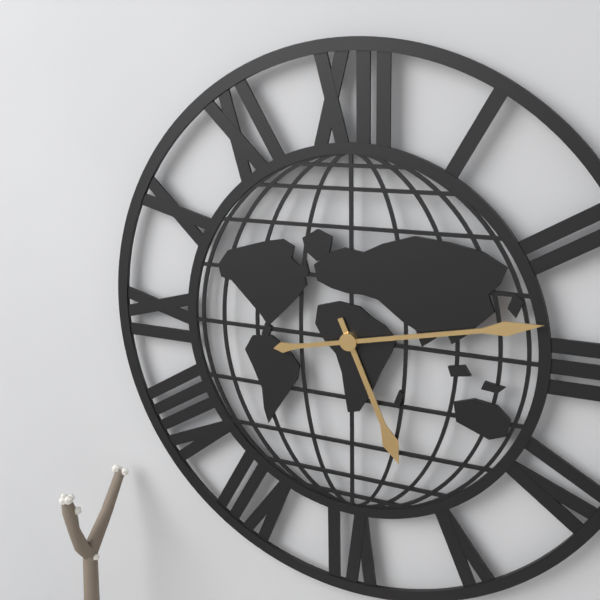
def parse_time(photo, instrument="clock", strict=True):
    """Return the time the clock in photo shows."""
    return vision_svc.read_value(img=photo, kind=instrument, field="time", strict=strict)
5:13
